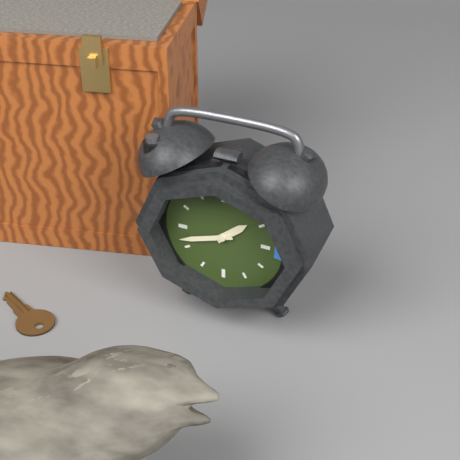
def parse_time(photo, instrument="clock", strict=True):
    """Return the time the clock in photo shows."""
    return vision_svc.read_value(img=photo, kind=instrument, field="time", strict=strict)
1:42
